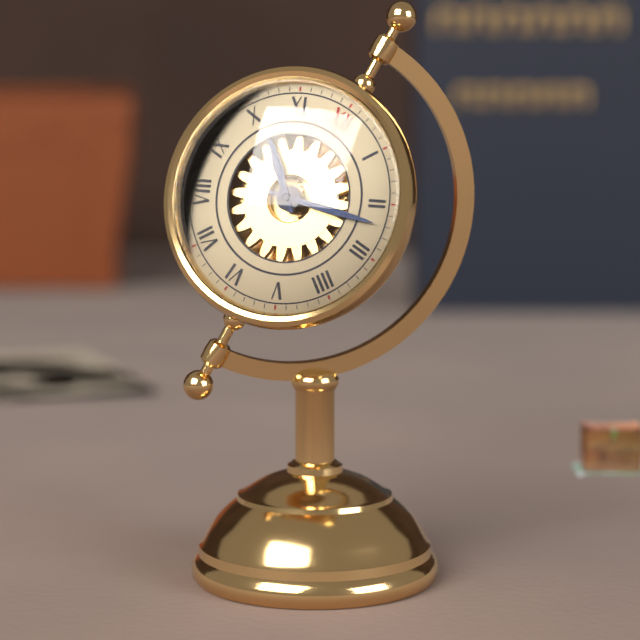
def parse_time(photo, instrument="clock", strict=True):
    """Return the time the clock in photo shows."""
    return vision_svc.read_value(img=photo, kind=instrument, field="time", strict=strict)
10:12
